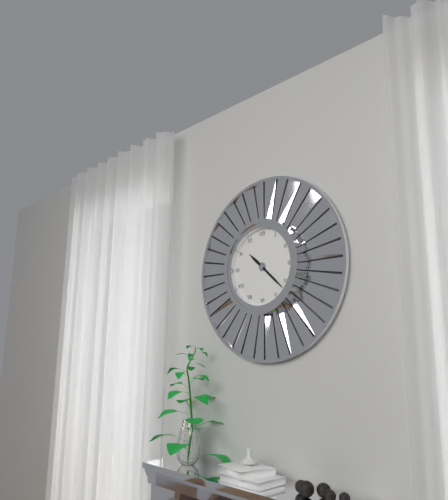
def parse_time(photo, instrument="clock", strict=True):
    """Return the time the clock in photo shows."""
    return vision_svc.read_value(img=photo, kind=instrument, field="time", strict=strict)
10:22
